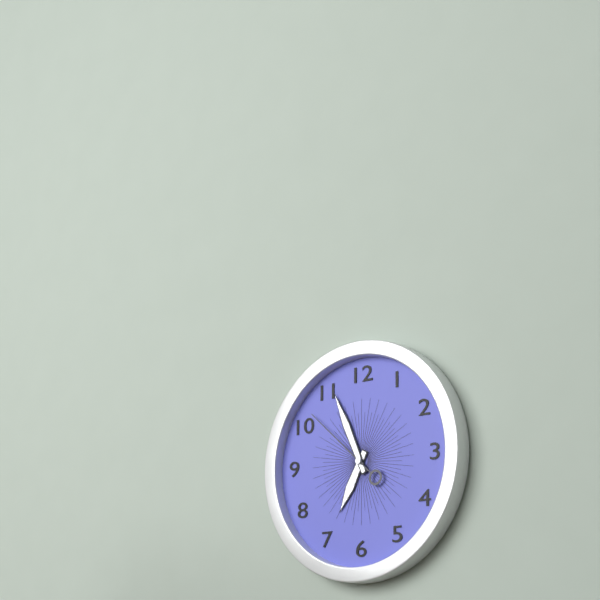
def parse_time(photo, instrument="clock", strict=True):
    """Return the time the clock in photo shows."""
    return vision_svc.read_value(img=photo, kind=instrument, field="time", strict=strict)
6:56:52
